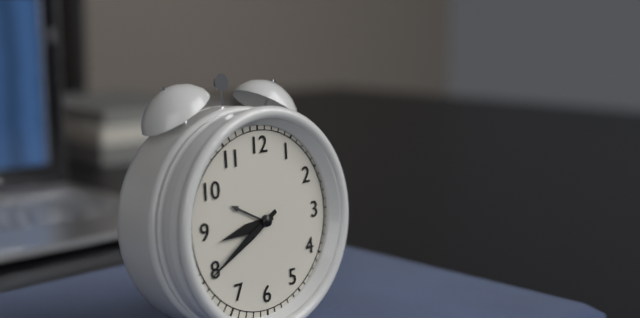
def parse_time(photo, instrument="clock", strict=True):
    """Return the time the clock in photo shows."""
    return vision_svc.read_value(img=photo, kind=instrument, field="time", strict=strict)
8:40
